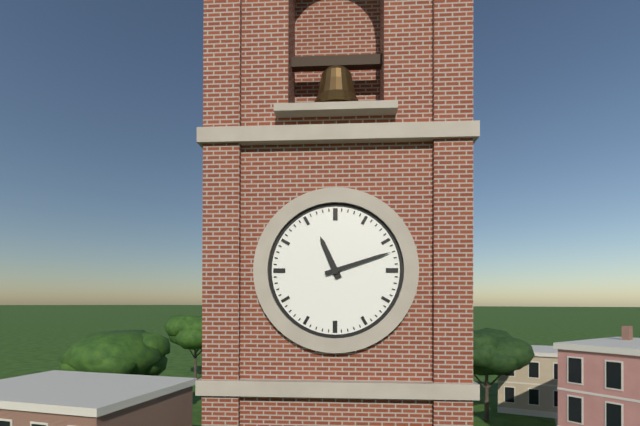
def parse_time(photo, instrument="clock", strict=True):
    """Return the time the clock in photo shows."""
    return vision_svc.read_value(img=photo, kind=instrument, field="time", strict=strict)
11:12
